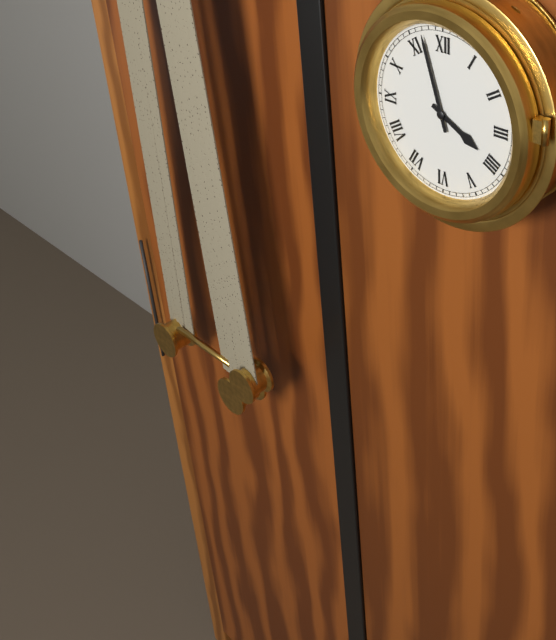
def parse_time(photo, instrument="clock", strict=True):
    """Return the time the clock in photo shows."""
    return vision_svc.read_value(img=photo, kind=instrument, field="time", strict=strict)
3:57
